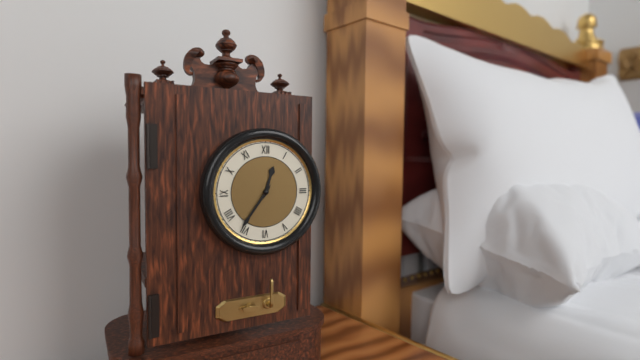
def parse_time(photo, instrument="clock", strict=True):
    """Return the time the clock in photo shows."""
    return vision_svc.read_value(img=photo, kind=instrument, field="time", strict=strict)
12:36
